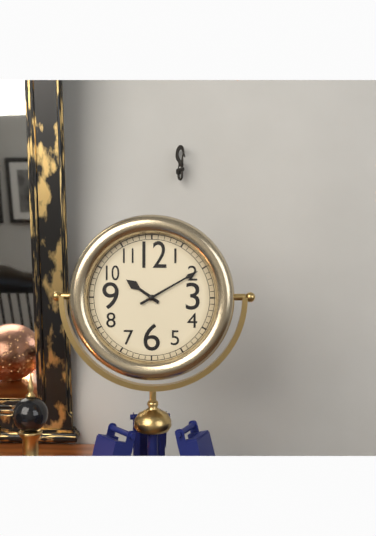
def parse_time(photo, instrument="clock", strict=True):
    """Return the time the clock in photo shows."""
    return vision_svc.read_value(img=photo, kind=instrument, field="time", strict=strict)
10:10
